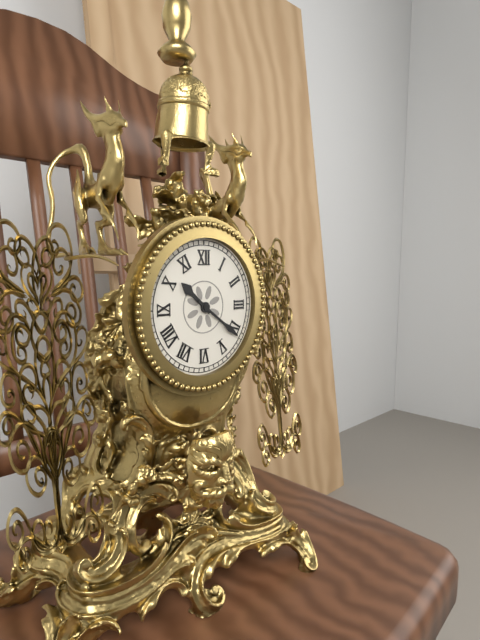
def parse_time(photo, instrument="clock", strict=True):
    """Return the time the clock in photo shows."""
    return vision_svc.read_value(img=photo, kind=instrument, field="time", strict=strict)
10:21
